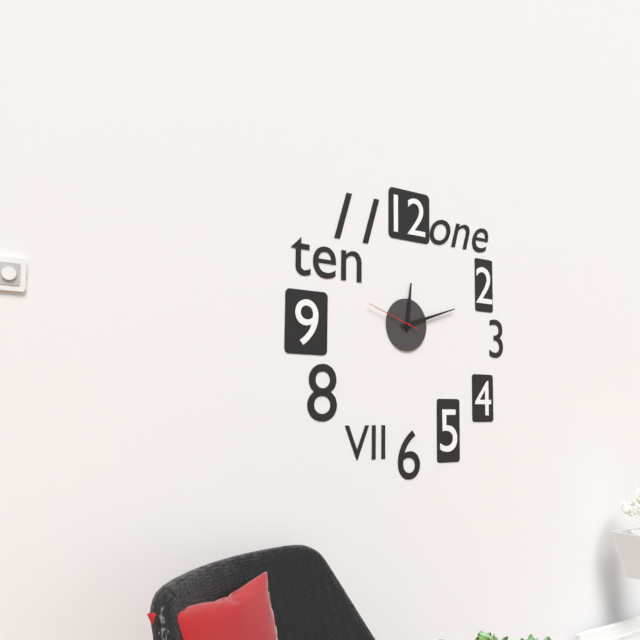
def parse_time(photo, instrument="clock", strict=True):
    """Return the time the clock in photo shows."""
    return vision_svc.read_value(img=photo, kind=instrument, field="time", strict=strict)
12:12:48
